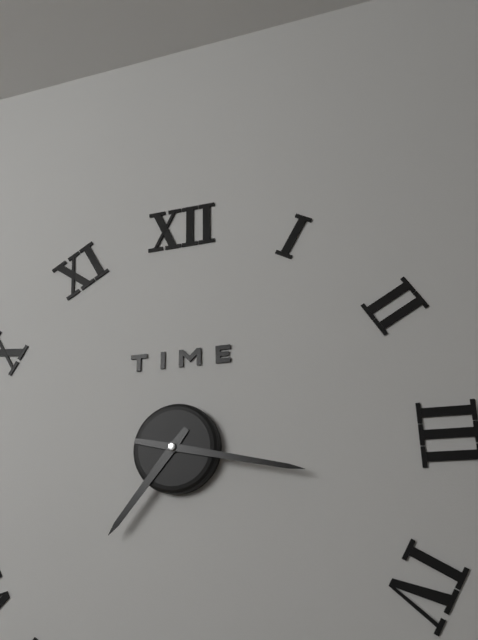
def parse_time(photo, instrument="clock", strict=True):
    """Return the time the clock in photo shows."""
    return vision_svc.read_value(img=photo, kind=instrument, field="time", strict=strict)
7:17
